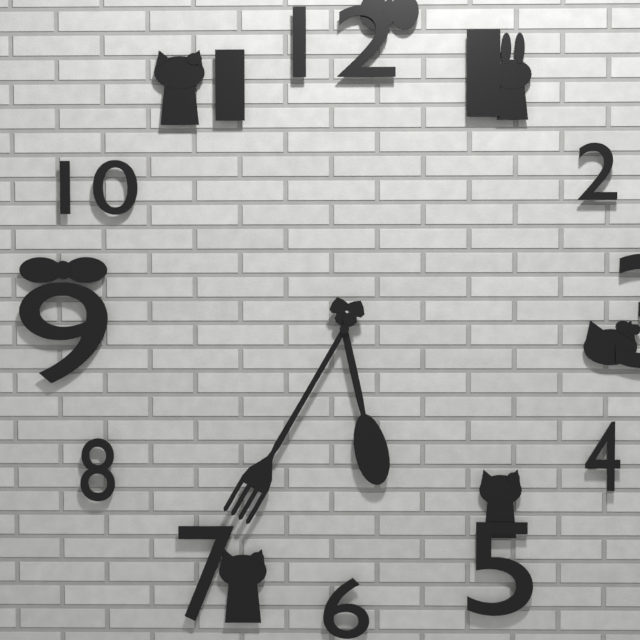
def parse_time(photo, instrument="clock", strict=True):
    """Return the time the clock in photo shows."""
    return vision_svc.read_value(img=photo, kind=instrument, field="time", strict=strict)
5:35
